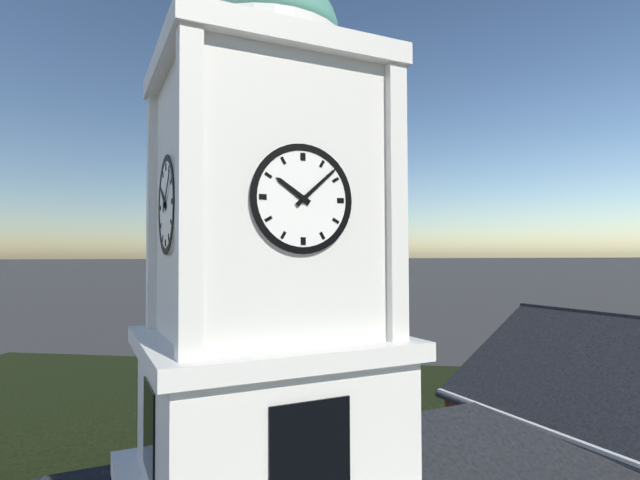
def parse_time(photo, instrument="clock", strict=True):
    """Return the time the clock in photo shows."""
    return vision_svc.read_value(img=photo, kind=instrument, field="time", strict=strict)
10:08
